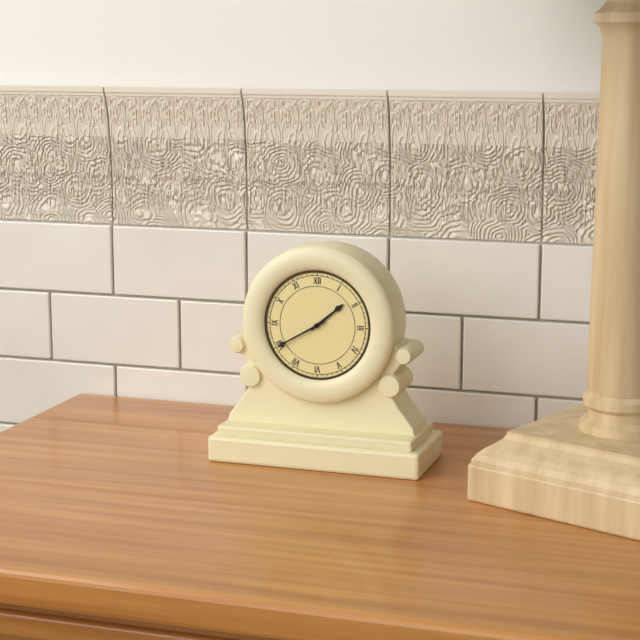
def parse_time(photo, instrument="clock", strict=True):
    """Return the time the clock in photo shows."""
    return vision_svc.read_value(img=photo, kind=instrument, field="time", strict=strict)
1:40
